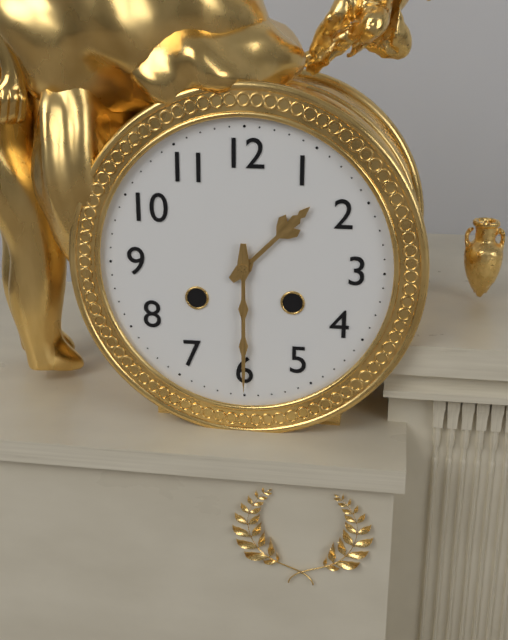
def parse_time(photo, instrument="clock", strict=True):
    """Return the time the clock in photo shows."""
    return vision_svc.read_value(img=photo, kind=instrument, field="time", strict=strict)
1:30
